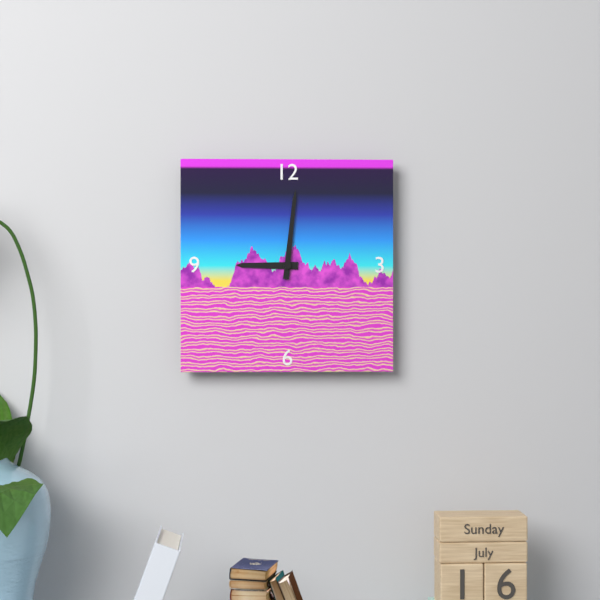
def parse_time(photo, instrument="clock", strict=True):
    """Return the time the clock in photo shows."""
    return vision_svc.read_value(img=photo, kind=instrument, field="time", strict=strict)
9:01
